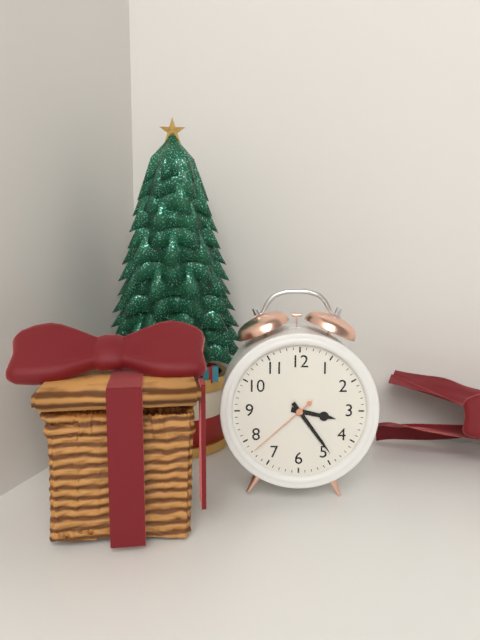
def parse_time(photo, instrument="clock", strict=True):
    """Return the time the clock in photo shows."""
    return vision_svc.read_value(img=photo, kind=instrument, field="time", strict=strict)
3:24:38
